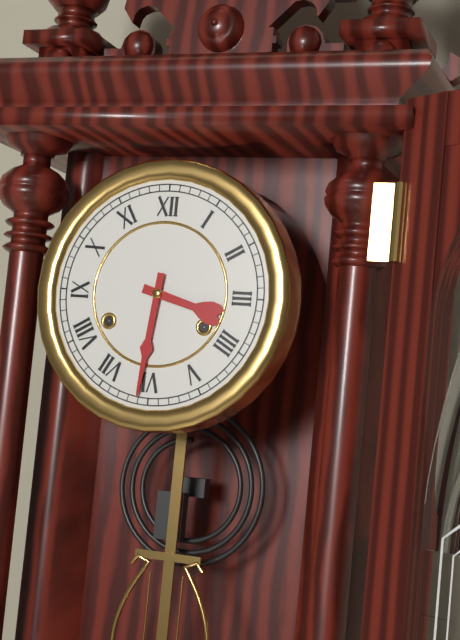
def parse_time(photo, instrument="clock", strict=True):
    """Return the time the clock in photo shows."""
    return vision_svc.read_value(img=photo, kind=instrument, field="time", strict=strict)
3:31
